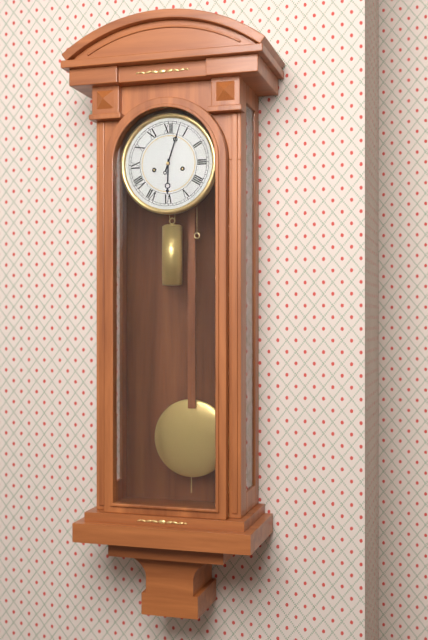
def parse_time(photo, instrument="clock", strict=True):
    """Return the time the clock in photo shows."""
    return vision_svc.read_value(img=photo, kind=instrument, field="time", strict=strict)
6:03
